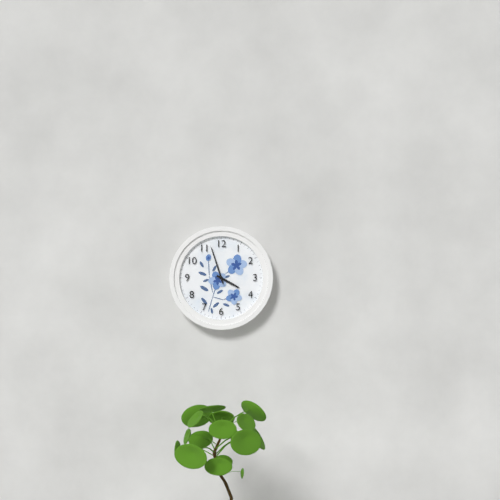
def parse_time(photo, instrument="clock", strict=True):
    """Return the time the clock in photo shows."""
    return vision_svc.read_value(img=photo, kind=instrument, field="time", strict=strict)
3:57
